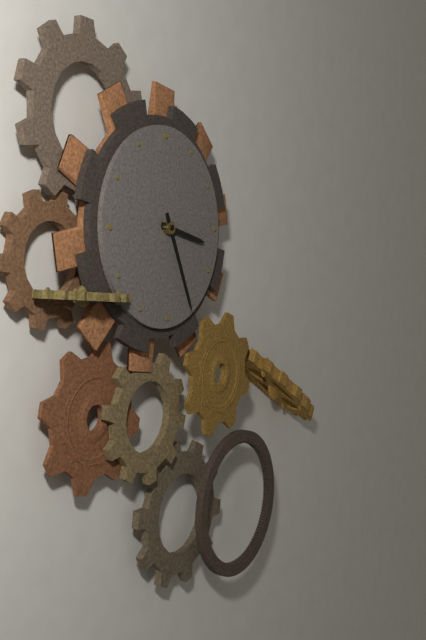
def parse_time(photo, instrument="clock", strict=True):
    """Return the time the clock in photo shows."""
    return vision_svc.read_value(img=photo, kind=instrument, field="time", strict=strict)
3:26
